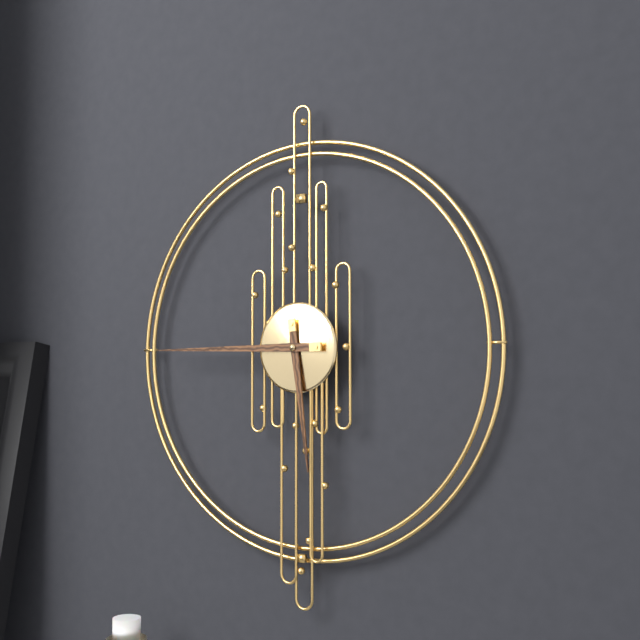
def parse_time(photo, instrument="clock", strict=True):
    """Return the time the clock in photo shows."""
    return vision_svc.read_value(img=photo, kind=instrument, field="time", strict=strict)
5:45
